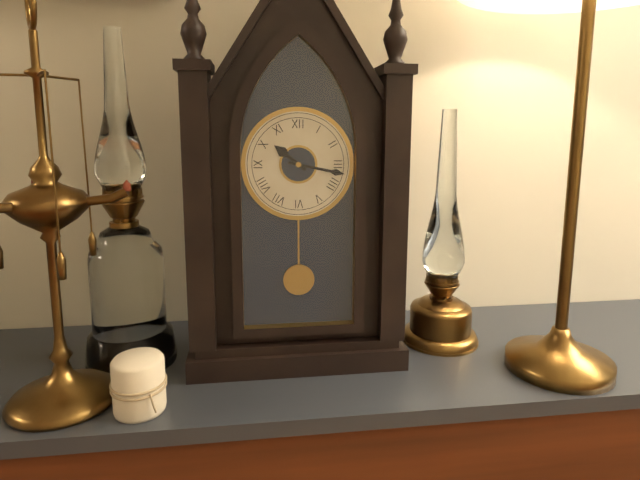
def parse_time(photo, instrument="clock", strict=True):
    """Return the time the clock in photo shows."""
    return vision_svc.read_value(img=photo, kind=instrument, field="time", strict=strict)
10:17
